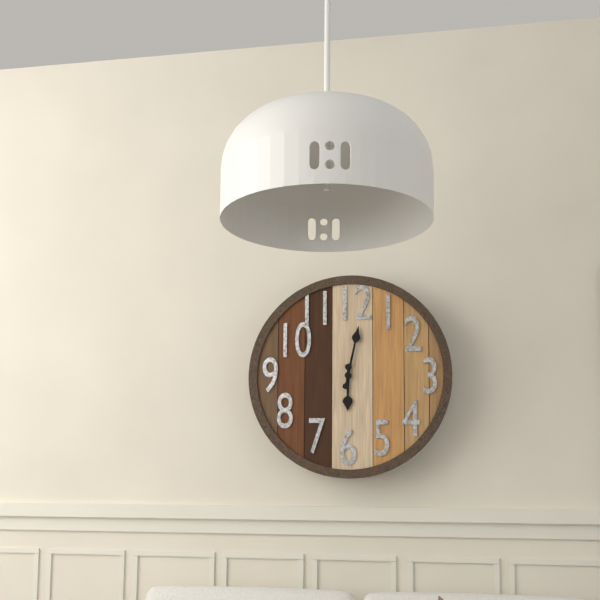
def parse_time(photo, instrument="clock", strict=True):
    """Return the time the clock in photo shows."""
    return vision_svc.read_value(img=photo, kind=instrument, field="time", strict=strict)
6:02
